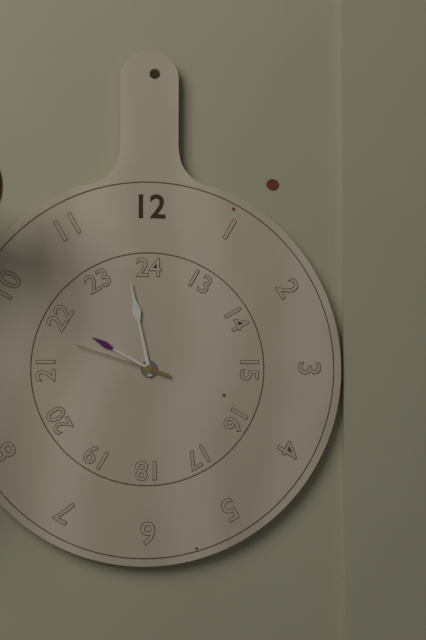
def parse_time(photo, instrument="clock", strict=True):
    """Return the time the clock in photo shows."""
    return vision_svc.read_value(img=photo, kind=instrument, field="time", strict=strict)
9:58:48
